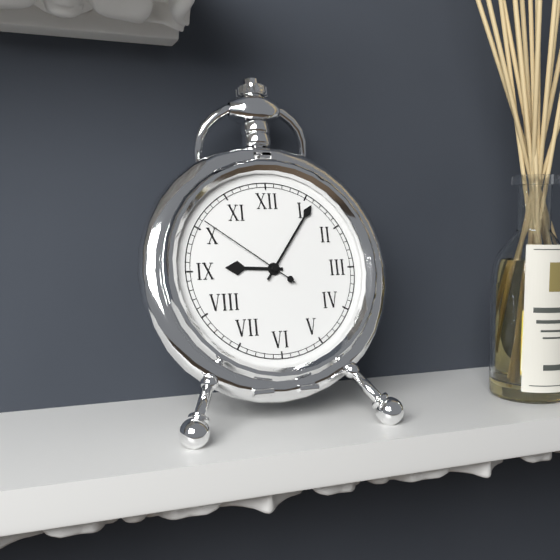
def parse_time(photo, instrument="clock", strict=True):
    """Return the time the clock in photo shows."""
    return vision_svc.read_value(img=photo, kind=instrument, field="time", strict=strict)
9:06:51
